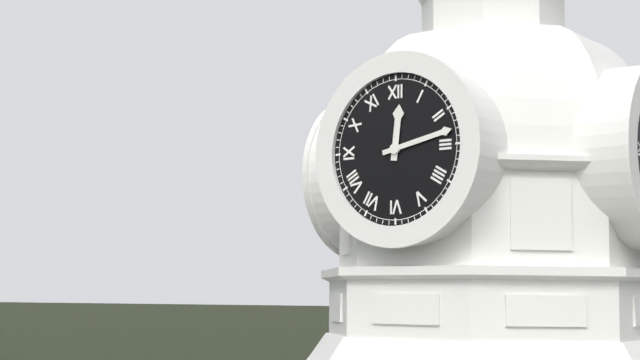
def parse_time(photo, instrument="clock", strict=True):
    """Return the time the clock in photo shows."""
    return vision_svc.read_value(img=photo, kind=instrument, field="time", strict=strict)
12:13
